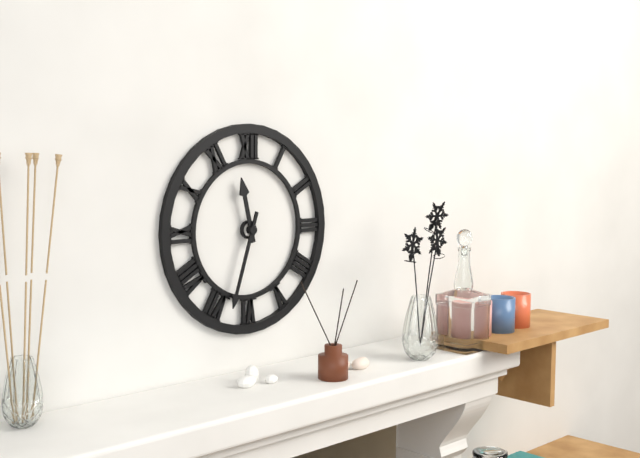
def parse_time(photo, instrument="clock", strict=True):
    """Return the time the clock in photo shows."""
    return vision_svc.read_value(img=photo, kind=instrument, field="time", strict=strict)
11:33
